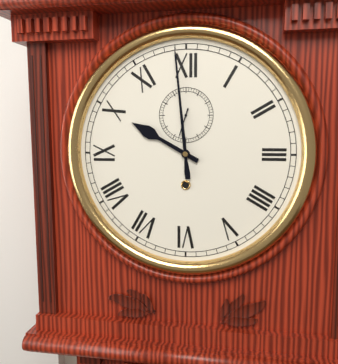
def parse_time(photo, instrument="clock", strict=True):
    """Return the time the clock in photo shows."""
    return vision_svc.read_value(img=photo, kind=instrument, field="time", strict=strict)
9:59
